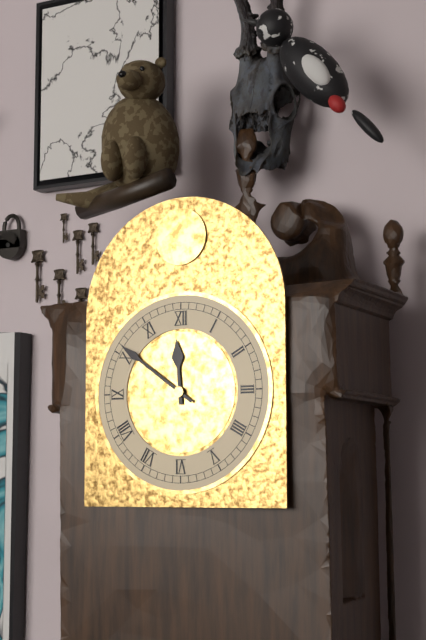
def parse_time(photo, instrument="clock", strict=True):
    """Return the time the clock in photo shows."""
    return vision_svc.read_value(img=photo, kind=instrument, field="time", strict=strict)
11:51
